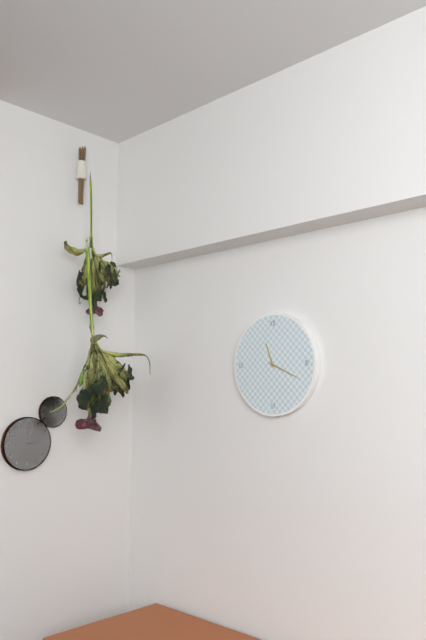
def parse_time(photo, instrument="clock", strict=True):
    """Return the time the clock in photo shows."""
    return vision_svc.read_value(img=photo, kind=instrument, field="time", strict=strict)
11:19
